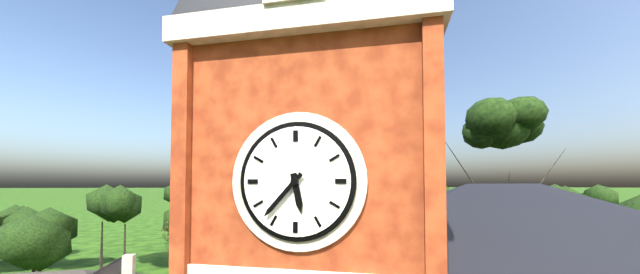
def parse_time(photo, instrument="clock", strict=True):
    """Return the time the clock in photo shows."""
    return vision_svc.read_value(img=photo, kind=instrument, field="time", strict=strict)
5:37
